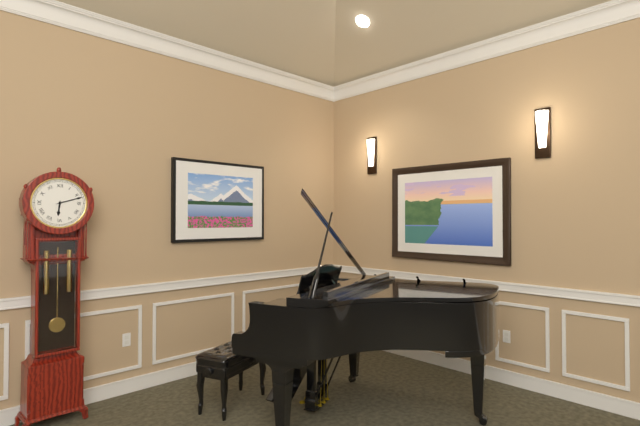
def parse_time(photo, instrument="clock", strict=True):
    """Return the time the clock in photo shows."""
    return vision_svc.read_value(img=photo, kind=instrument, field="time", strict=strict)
6:12
